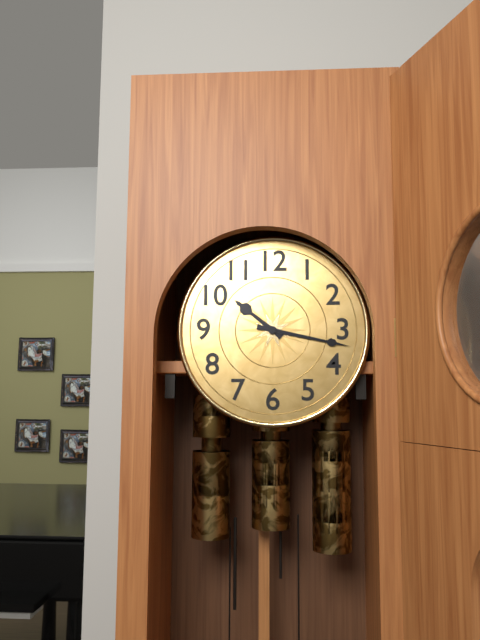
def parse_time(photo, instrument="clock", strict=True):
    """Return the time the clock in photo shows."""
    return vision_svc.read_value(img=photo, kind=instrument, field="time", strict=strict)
10:17
